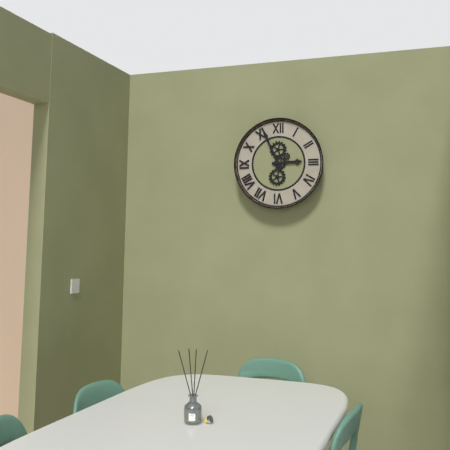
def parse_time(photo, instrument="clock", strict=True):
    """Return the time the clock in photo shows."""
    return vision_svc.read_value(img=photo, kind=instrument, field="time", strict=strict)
2:56
